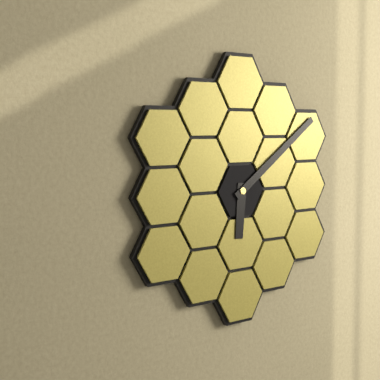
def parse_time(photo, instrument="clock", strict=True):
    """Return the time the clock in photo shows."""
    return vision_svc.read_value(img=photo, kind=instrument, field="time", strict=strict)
6:09
